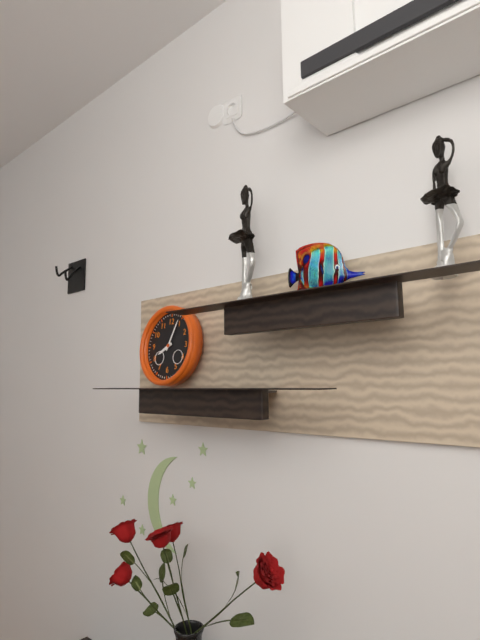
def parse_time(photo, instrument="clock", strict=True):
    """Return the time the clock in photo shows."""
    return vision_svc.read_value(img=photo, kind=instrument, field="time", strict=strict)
8:04
